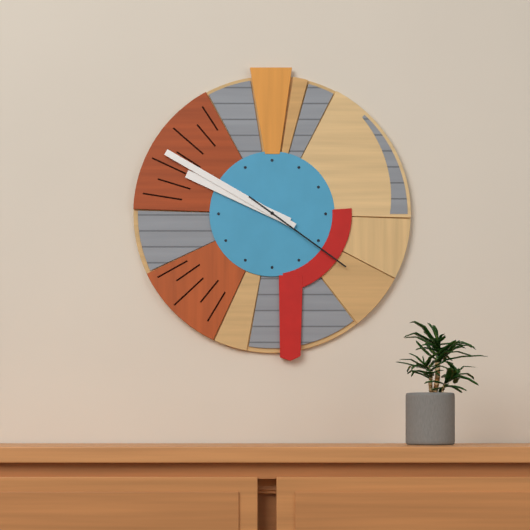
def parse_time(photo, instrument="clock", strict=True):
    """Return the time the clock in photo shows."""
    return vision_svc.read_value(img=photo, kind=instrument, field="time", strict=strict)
9:50:21
